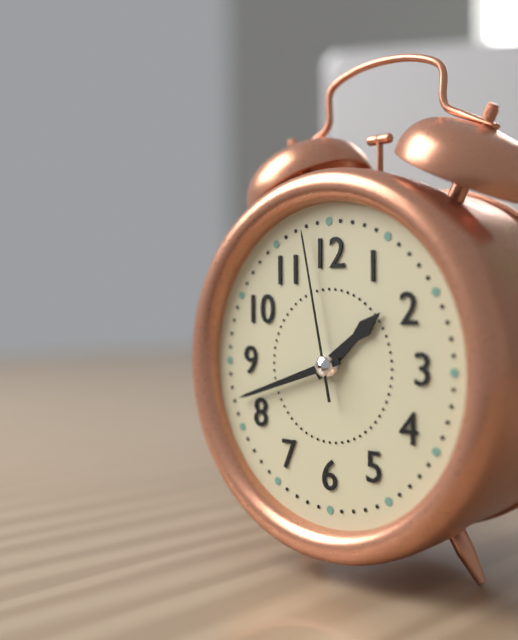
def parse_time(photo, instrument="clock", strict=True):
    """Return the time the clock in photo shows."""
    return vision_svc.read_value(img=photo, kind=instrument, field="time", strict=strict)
1:42:58
